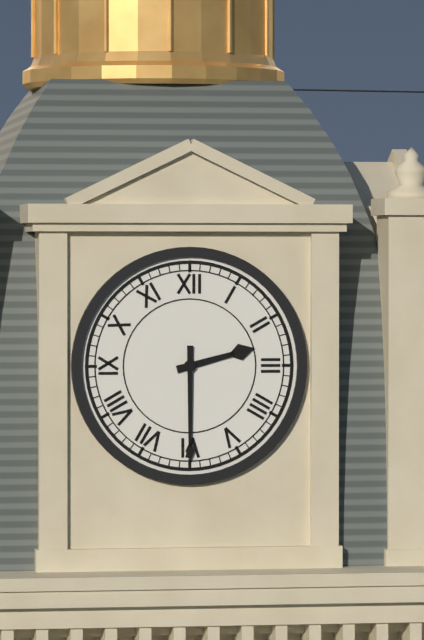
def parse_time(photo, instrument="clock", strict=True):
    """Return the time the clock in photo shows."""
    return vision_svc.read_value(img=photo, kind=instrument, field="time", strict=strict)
2:30
